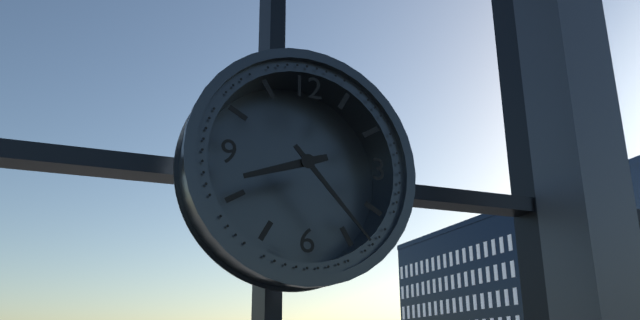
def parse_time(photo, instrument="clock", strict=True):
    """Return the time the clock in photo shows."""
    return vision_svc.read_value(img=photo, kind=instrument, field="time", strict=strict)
8:23
